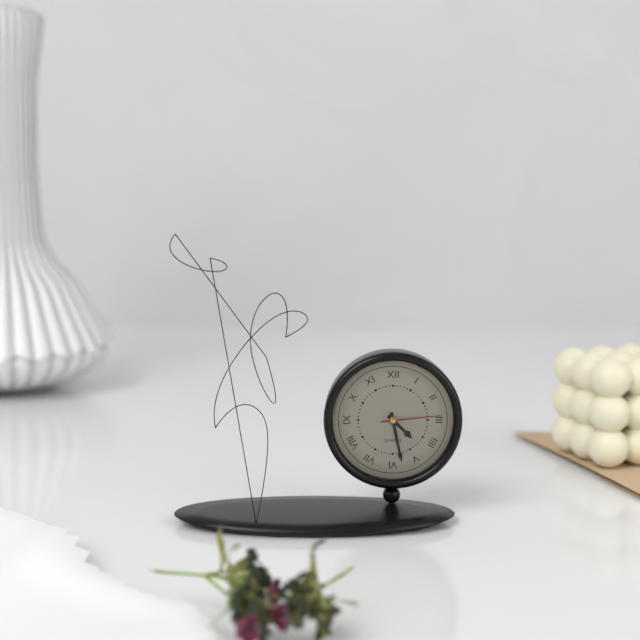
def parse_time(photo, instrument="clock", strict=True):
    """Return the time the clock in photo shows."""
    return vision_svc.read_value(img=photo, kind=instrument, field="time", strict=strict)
4:28:14
